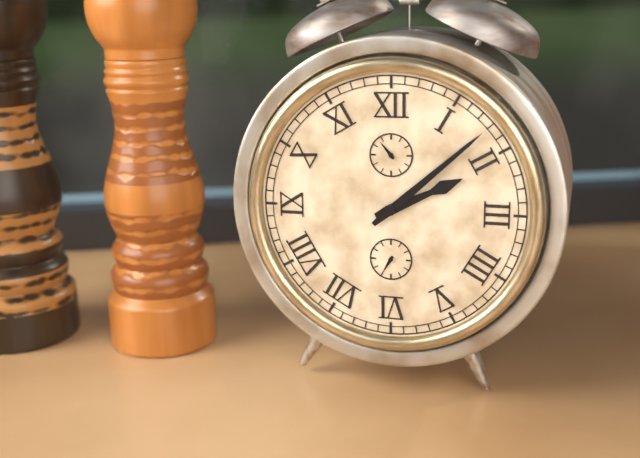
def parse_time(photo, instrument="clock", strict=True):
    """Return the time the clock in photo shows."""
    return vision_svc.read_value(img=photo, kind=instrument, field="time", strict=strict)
2:08
